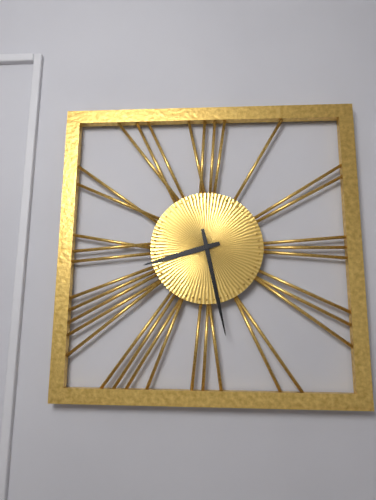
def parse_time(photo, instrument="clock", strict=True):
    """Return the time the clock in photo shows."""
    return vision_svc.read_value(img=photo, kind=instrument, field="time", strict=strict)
8:28
